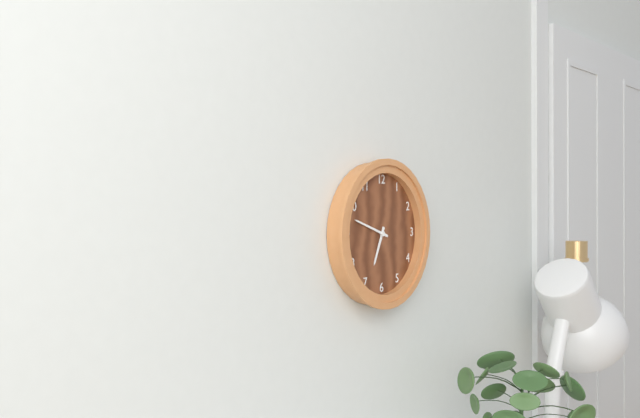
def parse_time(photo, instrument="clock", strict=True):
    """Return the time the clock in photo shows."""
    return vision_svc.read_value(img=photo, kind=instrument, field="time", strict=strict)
6:48
